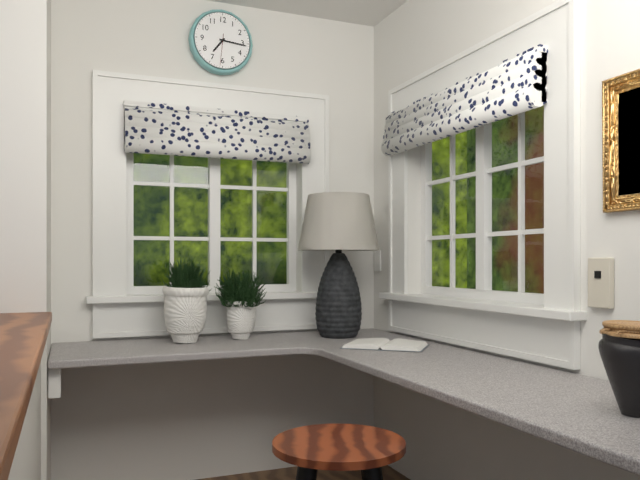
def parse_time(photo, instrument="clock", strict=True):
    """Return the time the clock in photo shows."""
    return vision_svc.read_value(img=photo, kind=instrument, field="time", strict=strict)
7:16
